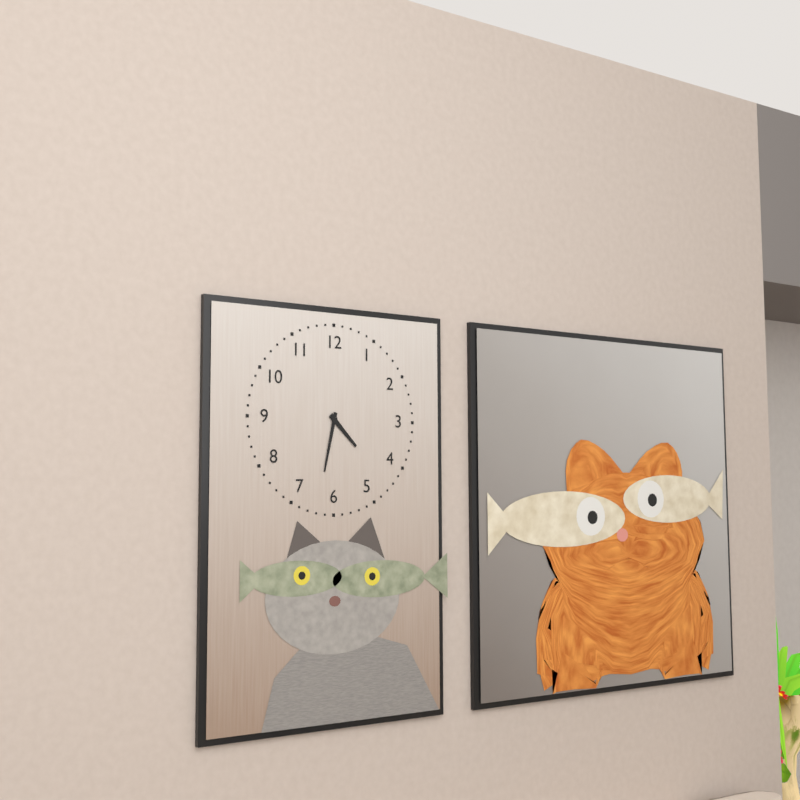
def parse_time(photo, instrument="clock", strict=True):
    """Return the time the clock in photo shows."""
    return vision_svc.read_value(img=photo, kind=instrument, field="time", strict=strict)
4:32
